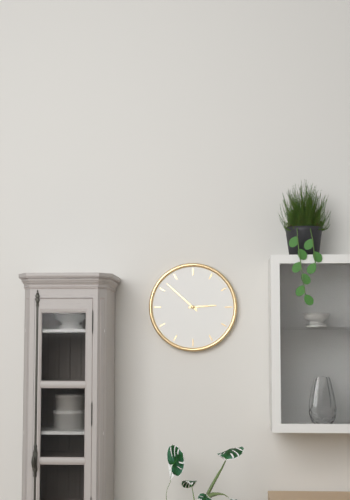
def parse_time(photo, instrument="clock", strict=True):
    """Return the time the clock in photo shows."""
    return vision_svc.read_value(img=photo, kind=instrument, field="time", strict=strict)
2:52
